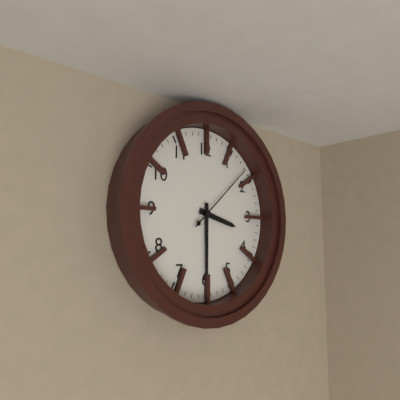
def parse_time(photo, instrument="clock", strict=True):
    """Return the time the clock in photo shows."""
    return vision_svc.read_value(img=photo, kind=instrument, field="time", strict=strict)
3:30:08
